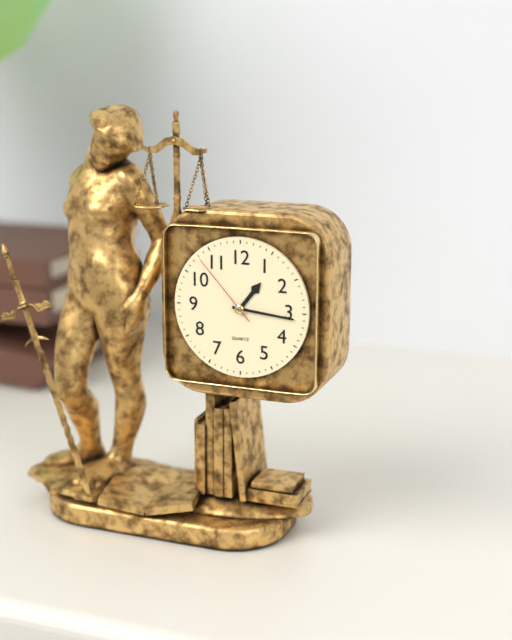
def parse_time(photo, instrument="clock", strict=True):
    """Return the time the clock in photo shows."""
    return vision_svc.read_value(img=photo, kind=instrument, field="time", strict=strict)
1:16:53
